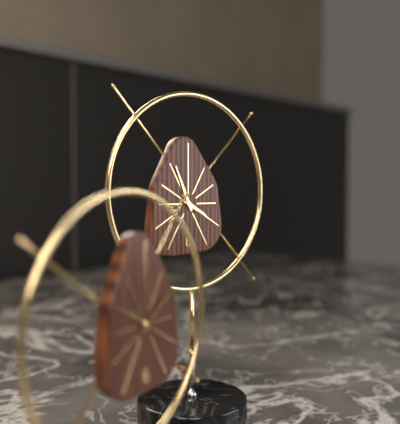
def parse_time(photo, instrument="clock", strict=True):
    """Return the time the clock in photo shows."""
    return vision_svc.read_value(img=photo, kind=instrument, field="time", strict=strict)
3:56
